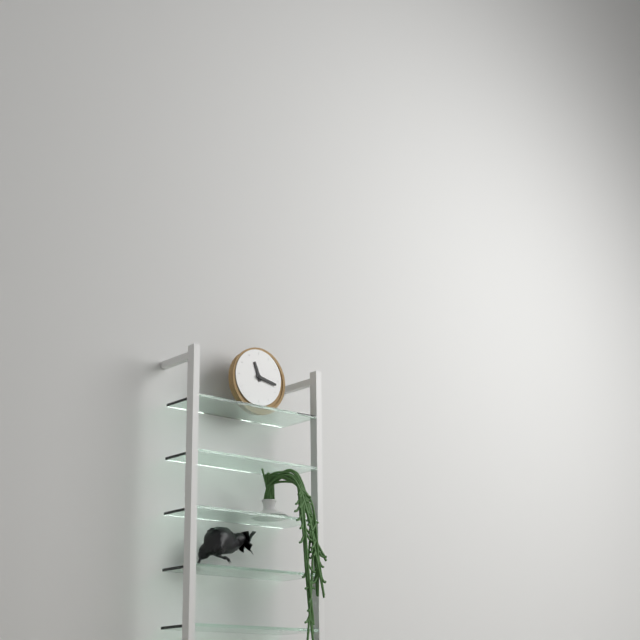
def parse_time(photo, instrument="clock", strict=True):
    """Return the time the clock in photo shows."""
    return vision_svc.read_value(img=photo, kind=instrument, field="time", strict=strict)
11:17
